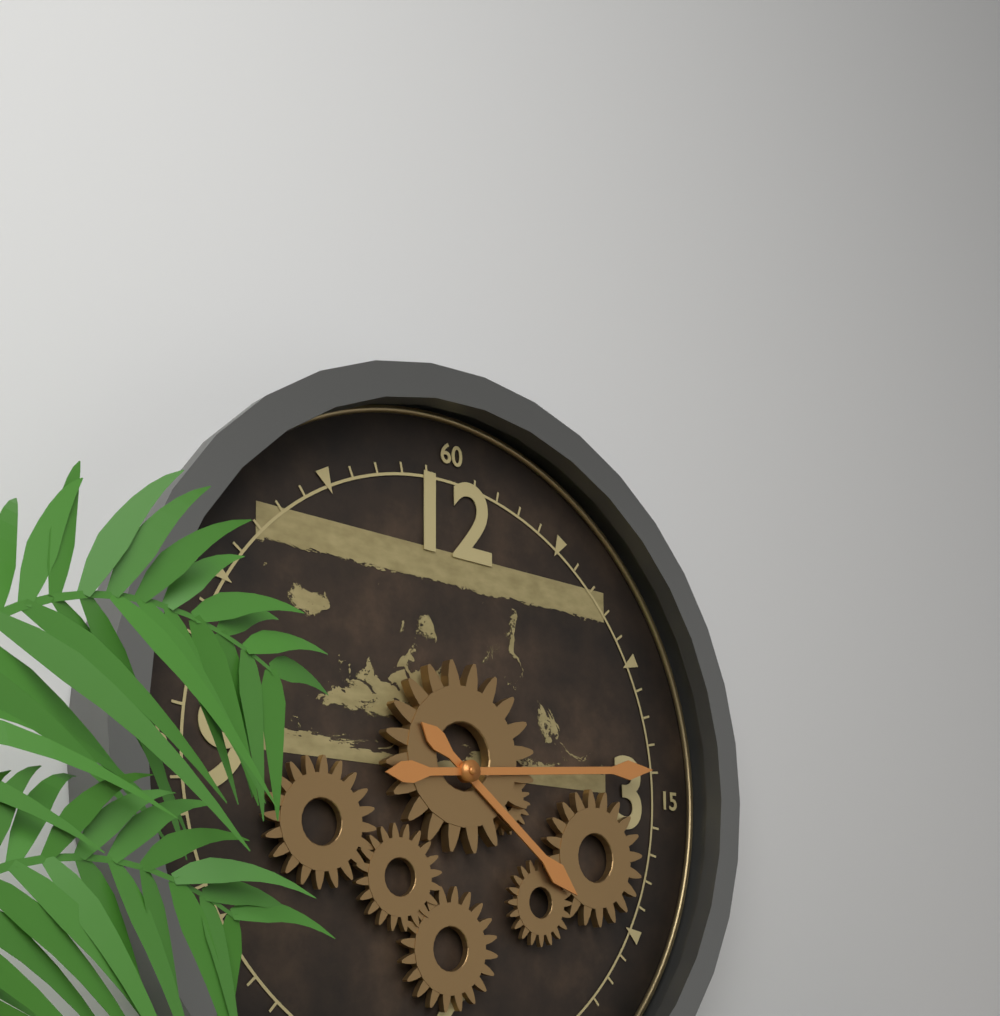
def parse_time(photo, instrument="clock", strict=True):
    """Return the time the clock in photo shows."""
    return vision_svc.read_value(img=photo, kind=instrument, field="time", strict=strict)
4:14
